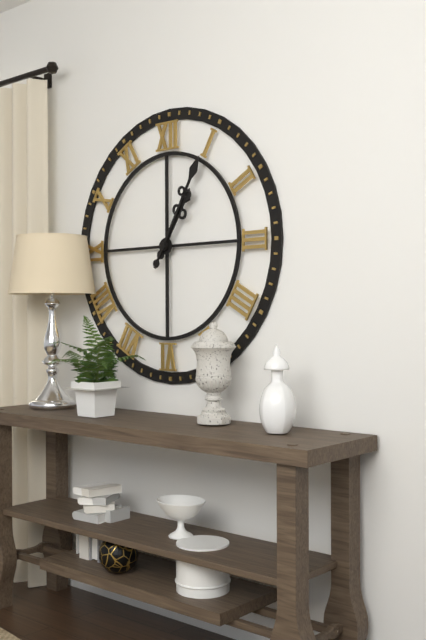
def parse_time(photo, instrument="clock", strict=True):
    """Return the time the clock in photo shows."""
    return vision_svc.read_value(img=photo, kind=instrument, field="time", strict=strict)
1:05
